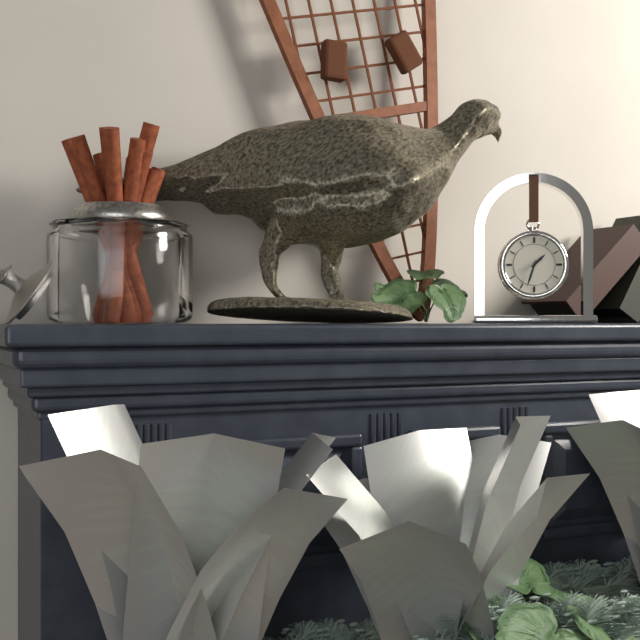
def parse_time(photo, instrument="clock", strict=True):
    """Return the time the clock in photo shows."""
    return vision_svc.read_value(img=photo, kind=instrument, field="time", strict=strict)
1:33
